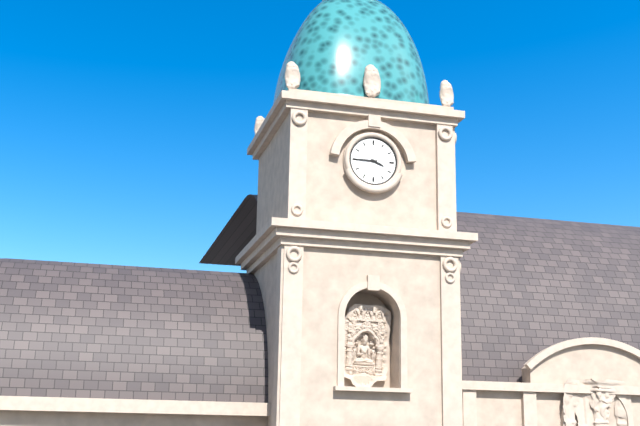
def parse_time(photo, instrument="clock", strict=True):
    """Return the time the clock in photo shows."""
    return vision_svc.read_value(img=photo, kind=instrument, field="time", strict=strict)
3:45
